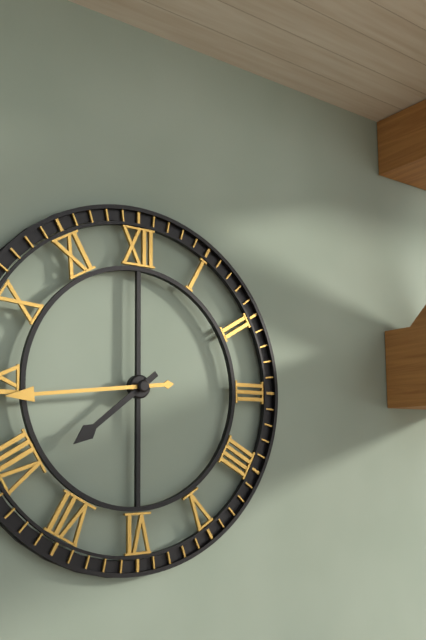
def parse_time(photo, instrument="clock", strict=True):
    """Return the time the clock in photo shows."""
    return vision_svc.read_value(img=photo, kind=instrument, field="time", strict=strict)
7:44
